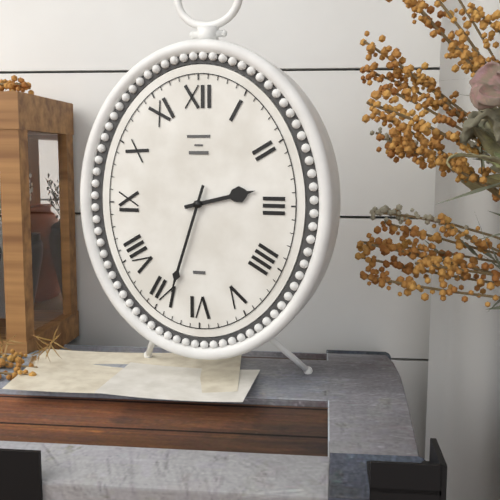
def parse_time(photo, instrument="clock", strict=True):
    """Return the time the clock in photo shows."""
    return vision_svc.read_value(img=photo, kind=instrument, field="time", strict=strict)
2:33
